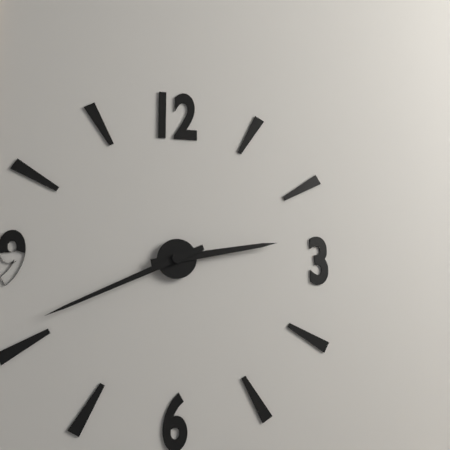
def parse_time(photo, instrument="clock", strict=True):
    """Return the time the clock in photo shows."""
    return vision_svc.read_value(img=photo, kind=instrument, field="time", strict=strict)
2:41
